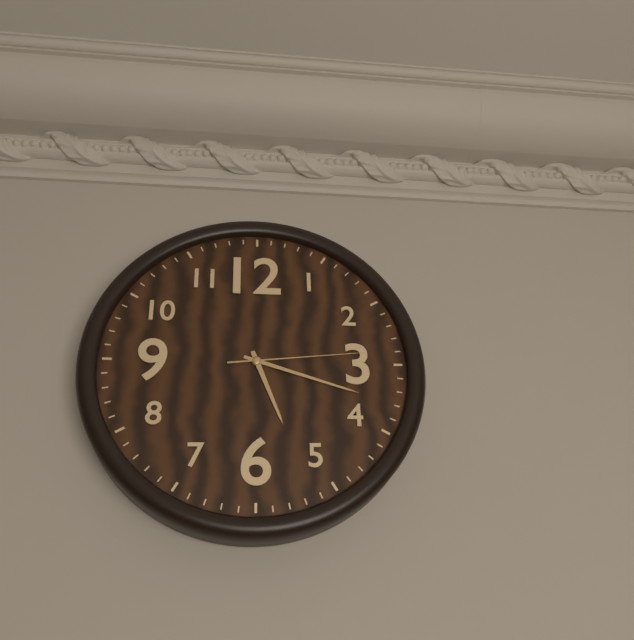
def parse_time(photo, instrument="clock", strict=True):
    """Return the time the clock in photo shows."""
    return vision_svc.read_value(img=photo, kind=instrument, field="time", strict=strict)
5:18:14
